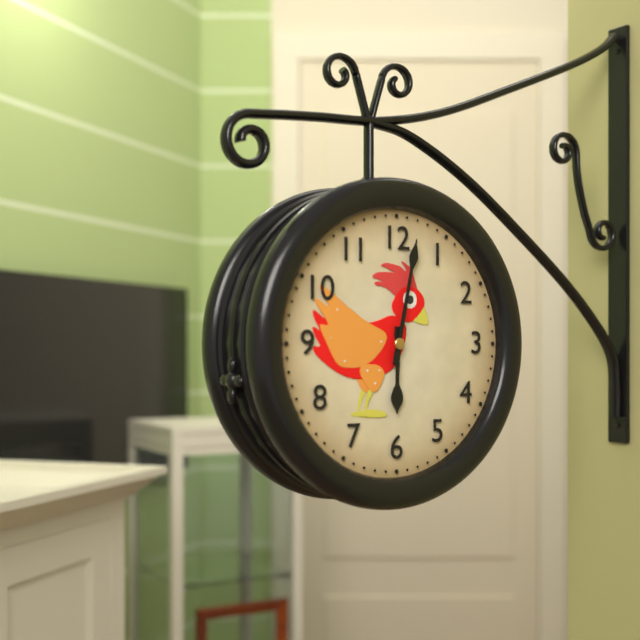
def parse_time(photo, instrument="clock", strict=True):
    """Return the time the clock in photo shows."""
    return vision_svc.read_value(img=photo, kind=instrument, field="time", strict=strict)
6:02
